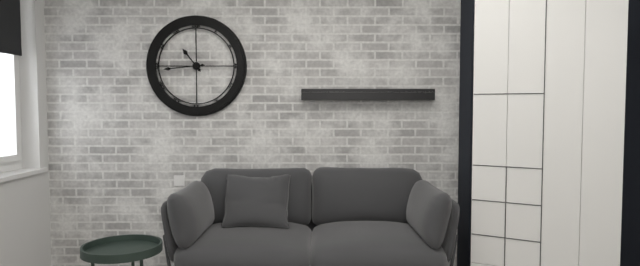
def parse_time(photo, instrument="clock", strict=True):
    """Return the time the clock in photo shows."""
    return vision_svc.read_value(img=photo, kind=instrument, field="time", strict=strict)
10:44
